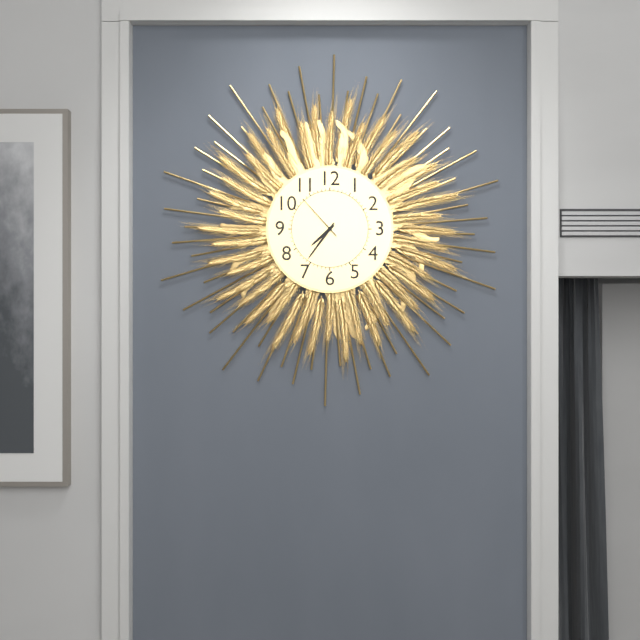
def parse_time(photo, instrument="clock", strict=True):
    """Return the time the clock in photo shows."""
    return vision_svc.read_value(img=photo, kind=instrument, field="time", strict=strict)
7:36:53
